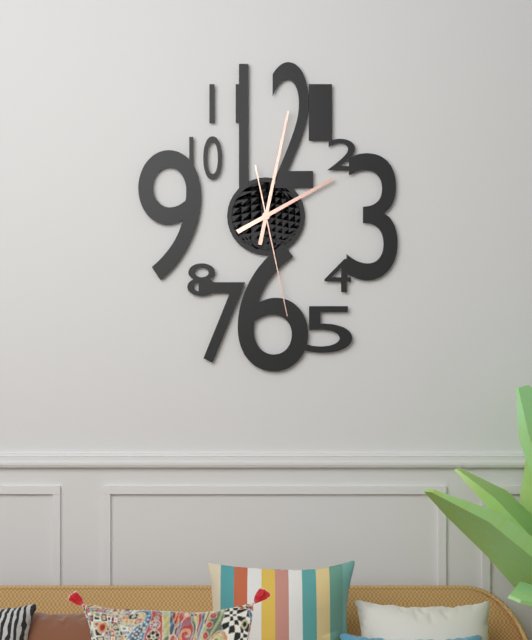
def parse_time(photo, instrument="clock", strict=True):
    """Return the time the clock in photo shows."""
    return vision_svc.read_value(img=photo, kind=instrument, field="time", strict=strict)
2:02:28
